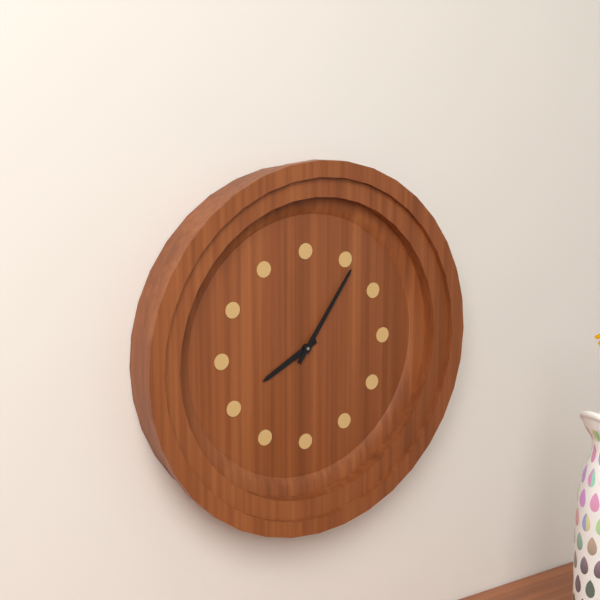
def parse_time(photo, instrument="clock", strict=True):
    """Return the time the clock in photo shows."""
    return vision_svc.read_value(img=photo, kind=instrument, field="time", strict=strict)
8:06
